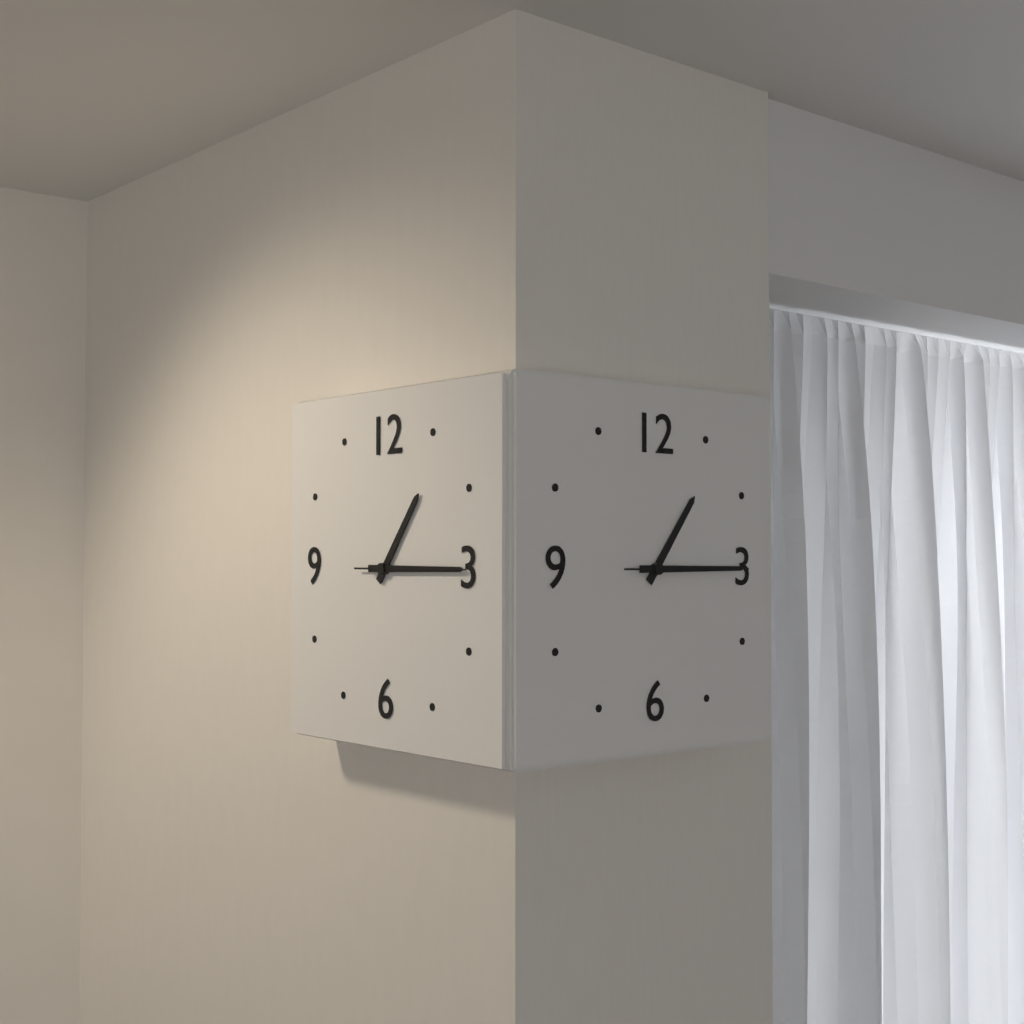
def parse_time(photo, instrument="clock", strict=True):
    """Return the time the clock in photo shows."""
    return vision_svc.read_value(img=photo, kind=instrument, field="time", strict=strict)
1:15:15
